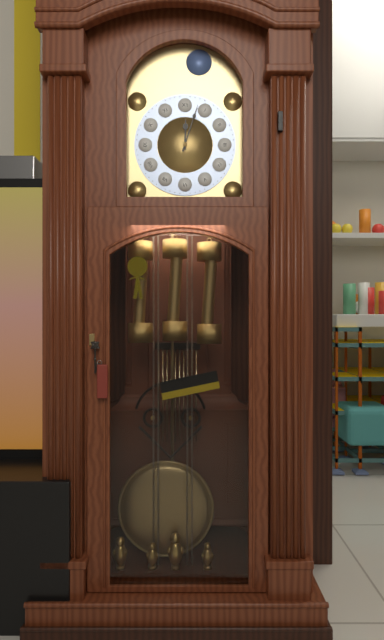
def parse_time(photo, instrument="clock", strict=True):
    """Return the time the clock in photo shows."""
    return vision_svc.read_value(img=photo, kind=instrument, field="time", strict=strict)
12:03
